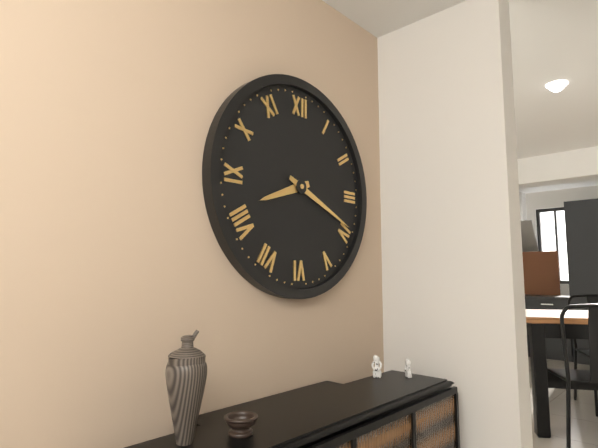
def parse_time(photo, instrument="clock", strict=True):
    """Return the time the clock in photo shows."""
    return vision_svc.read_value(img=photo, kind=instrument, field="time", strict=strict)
8:19
